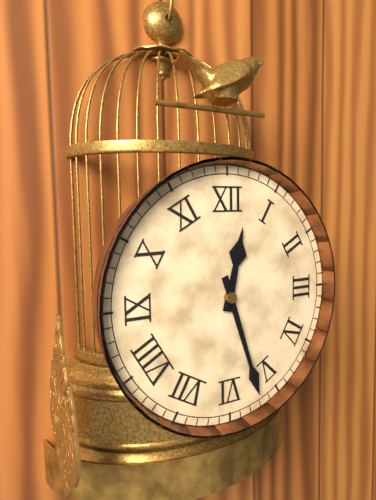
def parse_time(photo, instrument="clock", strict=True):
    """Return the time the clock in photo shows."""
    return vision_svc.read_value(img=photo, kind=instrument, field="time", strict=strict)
12:27
